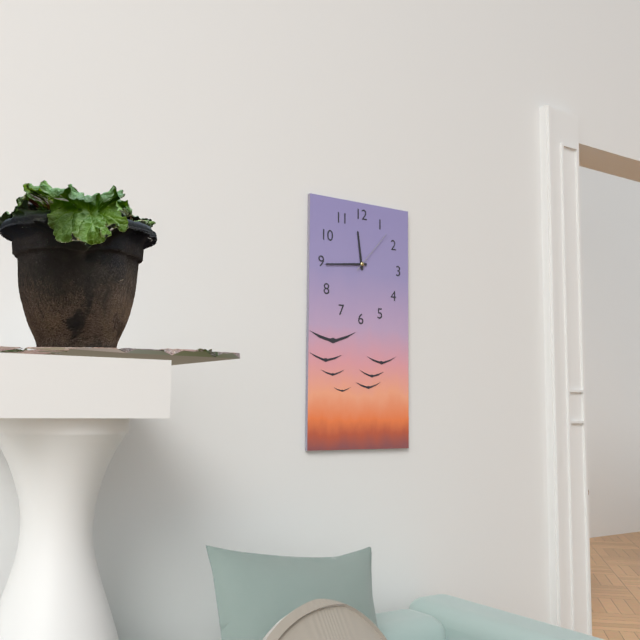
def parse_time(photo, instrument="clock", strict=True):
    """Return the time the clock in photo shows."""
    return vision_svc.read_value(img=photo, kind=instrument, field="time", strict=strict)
11:44
